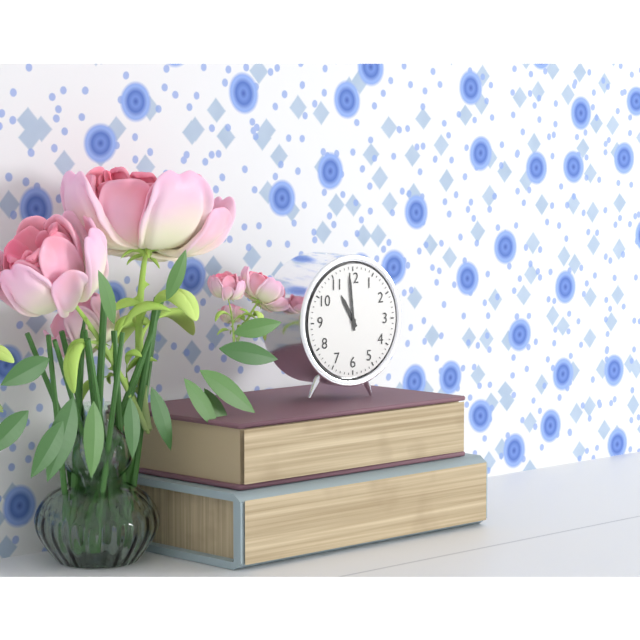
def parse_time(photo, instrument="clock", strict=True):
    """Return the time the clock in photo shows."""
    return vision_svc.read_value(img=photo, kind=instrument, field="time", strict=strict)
10:59
